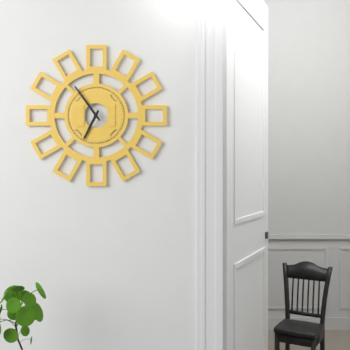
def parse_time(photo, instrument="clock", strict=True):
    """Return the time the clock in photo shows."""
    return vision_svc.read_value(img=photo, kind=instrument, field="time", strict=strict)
6:54
